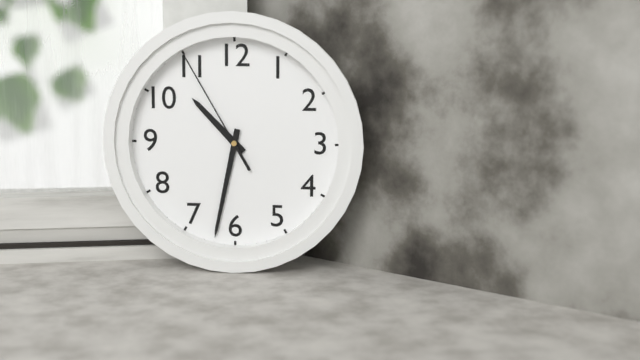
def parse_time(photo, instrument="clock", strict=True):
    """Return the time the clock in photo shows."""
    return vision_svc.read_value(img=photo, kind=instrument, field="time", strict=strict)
10:32:55
